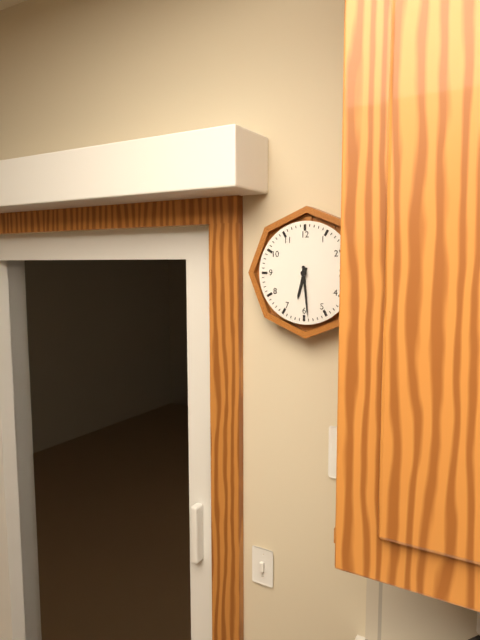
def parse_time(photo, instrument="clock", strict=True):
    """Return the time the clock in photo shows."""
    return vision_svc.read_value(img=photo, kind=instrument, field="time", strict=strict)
6:29
